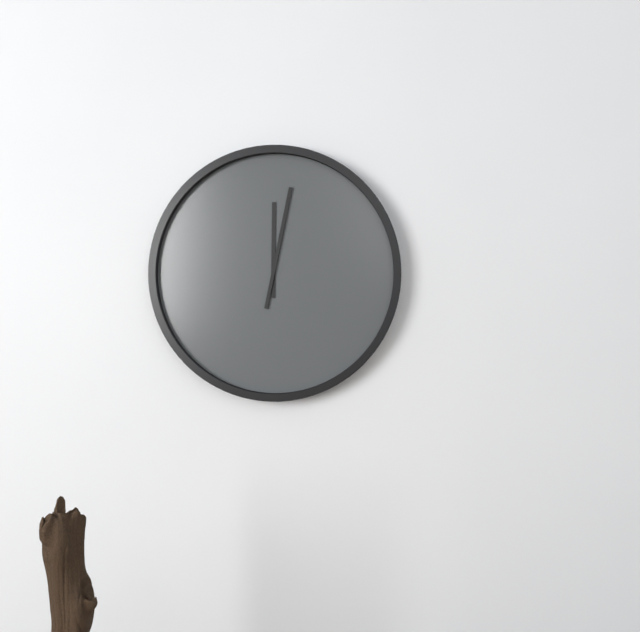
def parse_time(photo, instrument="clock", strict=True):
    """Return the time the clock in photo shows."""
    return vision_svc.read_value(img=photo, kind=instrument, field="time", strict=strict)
12:02
